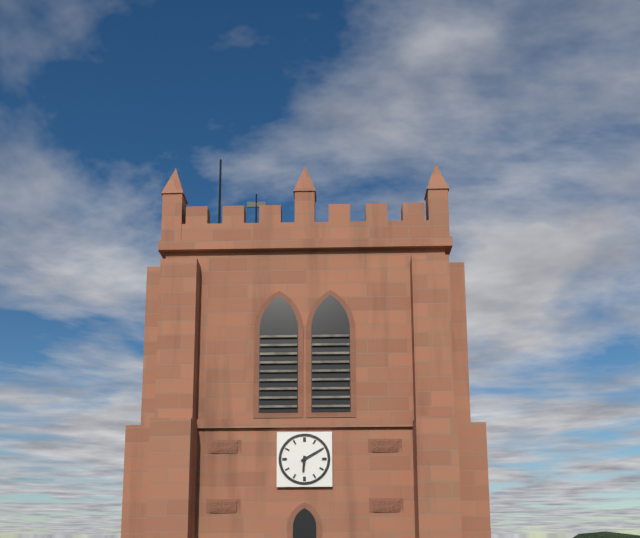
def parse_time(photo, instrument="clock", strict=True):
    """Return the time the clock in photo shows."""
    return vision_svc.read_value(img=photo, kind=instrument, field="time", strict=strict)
6:10
